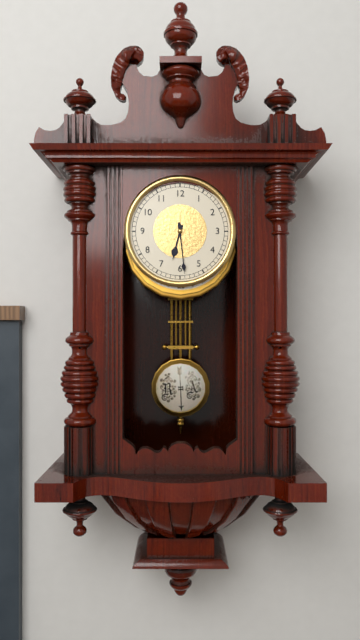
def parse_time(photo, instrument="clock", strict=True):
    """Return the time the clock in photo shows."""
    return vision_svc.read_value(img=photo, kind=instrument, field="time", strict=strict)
6:29
